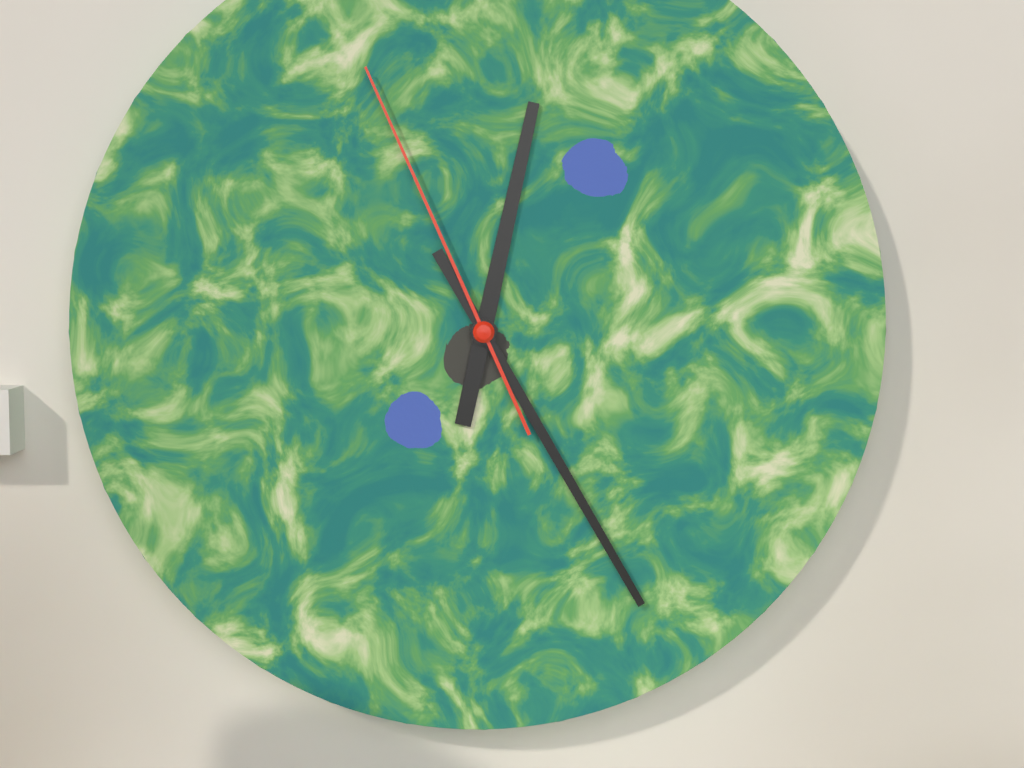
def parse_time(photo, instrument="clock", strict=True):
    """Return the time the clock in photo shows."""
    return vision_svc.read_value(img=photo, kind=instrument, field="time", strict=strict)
12:25:56
